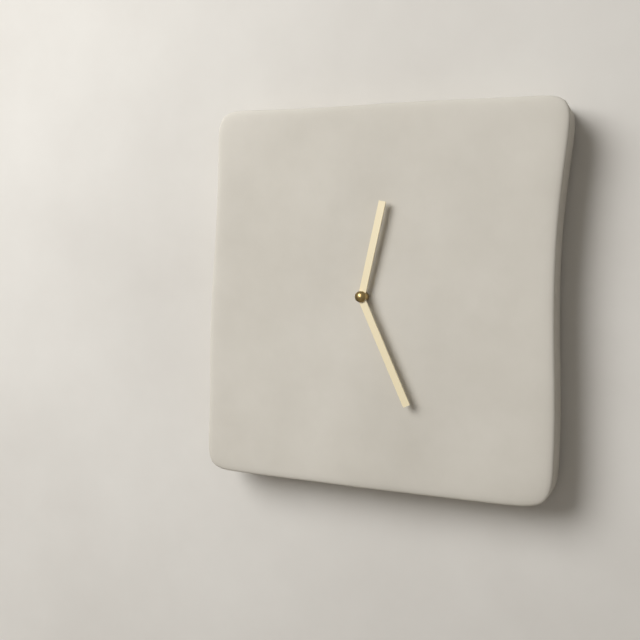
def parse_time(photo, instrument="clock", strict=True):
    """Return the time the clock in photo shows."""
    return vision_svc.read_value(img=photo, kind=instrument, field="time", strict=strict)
12:26
